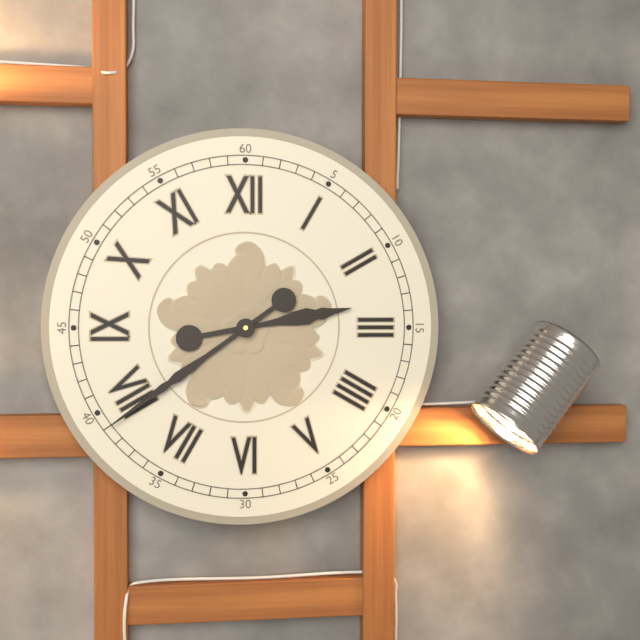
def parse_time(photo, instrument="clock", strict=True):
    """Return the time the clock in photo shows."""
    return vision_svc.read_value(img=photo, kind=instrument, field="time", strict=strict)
2:39
